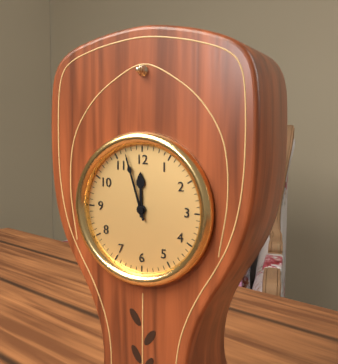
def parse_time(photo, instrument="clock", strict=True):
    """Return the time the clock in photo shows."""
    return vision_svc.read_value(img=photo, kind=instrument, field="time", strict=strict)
11:57
